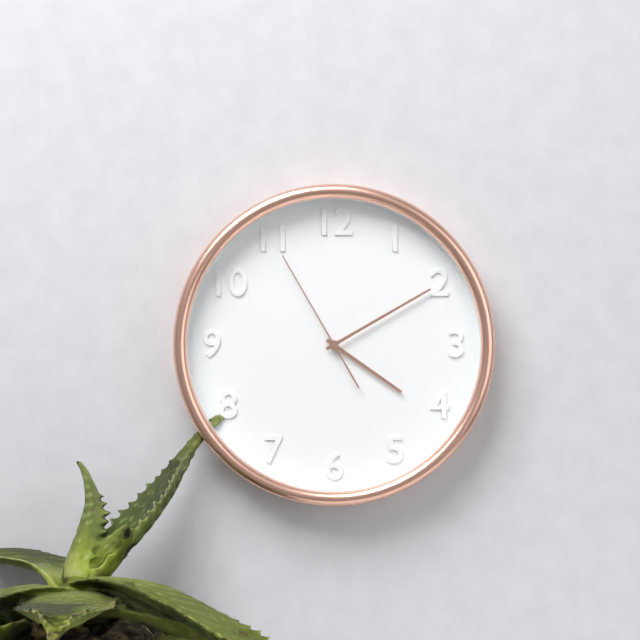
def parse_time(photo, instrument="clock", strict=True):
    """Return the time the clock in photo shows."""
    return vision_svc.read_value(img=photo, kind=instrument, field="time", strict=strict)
4:10:55
